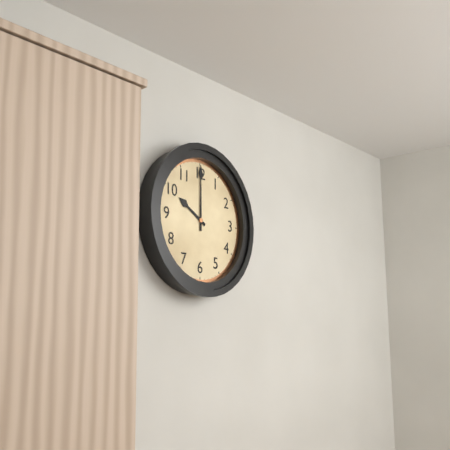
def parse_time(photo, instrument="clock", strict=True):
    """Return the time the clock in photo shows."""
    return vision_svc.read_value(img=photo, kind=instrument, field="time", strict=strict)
10:00
